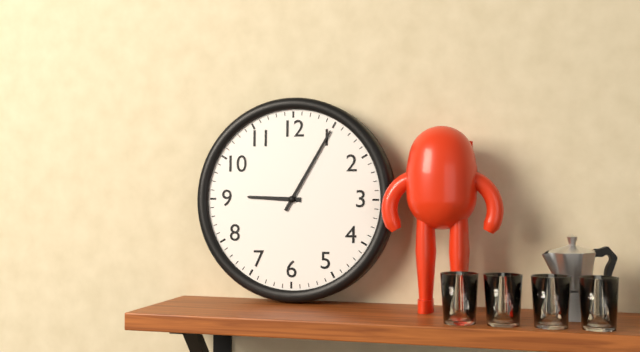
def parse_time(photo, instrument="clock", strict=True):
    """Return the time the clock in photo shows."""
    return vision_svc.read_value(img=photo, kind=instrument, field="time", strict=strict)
9:05
